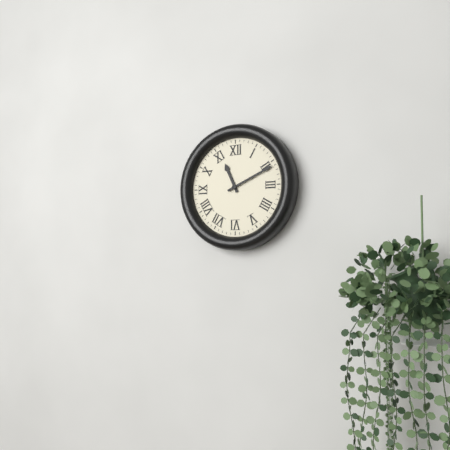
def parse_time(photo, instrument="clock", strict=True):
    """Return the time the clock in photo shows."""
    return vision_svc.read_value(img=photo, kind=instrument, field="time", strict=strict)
11:11
